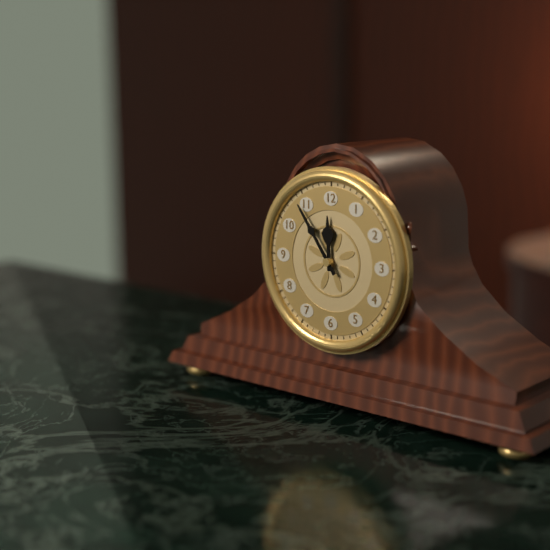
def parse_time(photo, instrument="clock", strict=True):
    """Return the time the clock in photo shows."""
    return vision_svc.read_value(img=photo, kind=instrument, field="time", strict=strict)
11:54
